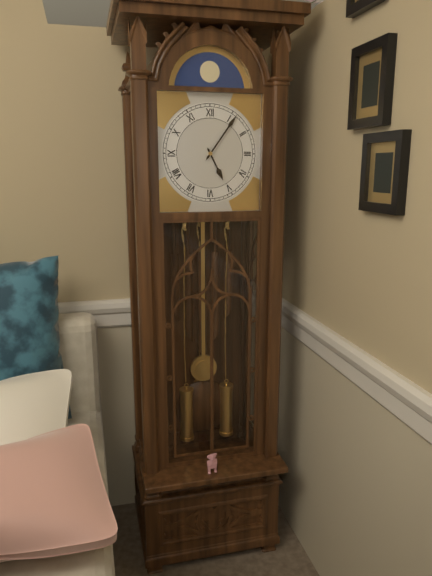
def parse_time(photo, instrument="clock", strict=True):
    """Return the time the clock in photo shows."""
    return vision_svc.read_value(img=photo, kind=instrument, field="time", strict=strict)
5:06
